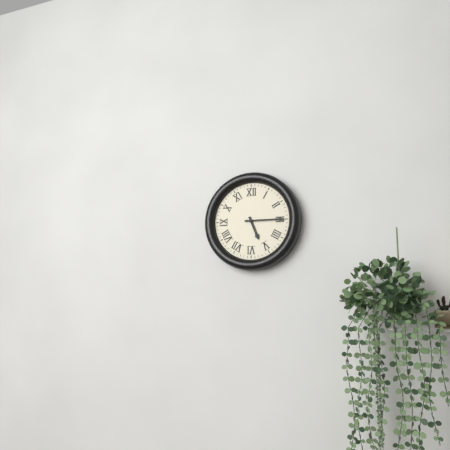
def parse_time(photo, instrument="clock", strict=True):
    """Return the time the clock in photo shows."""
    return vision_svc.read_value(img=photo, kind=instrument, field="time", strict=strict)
5:15
